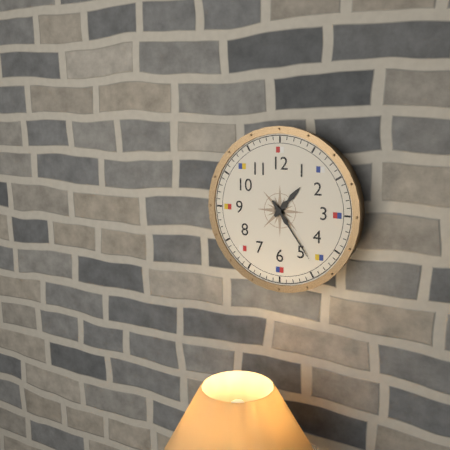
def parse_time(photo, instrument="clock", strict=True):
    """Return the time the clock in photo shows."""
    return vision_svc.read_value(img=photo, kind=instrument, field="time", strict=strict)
1:24
